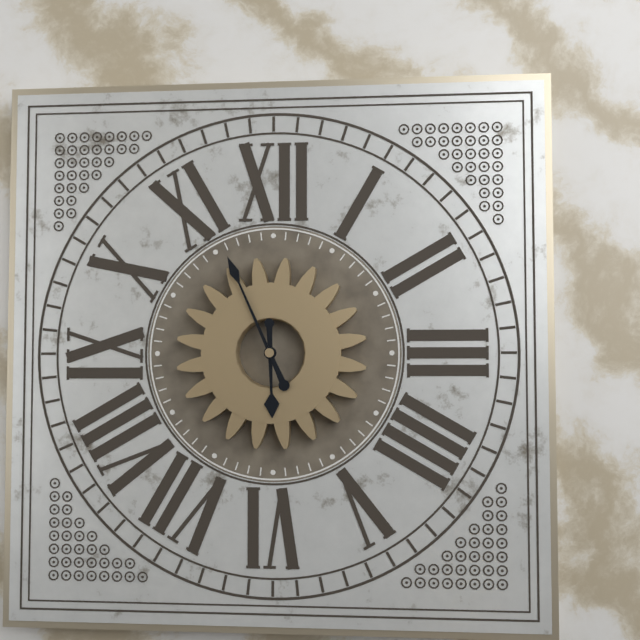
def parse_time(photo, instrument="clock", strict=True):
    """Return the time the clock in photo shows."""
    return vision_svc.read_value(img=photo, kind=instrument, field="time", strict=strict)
5:56
